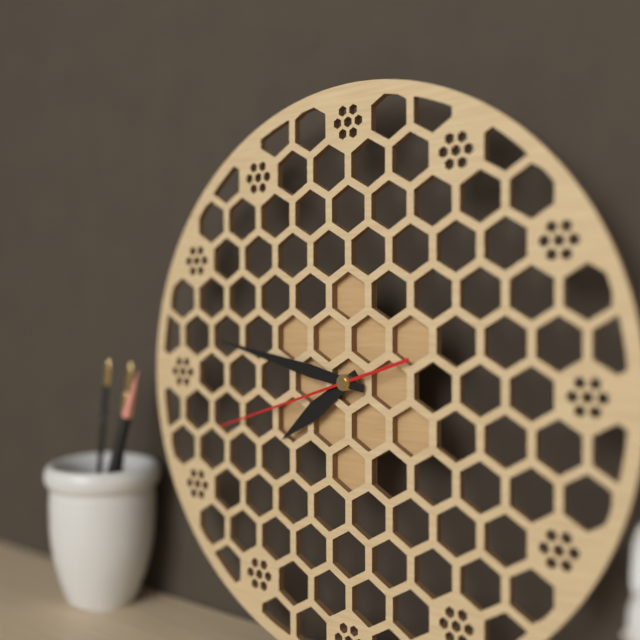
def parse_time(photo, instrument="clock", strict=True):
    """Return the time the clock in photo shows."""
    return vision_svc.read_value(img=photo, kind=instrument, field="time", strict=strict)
7:47:42
